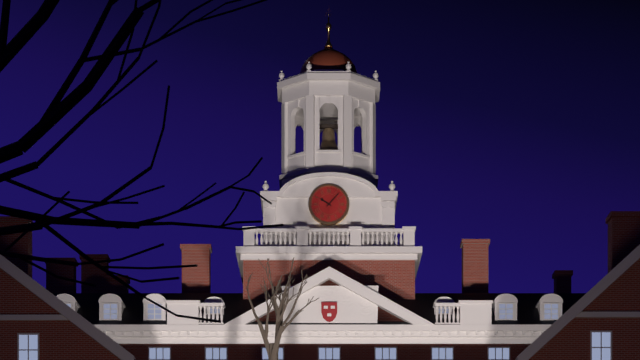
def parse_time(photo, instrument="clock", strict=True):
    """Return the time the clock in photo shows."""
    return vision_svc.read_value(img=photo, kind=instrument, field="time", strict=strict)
10:07
